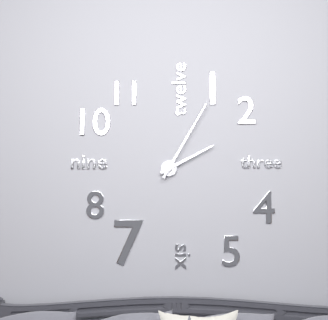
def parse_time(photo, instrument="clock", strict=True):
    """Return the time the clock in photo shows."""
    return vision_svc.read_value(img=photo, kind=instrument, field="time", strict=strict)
2:05
